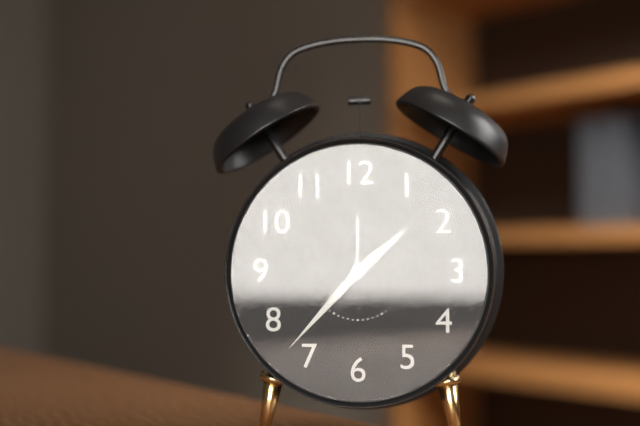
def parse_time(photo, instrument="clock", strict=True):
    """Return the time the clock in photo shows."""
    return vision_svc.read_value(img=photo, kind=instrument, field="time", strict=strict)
1:37
